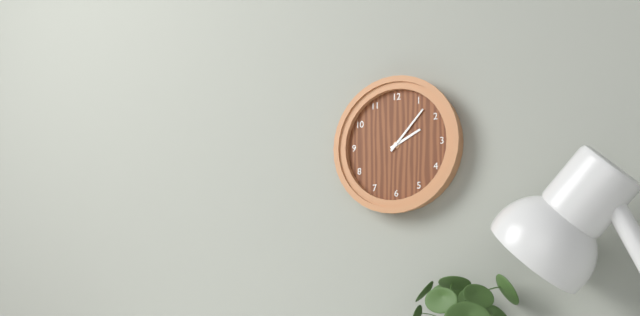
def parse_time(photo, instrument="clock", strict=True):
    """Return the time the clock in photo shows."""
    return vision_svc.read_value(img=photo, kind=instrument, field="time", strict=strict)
2:07
